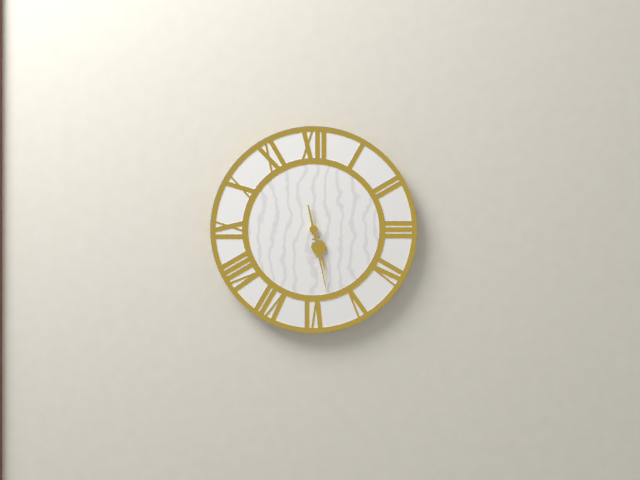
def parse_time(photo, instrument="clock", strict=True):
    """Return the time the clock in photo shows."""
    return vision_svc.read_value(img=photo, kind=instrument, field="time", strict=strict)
5:28
